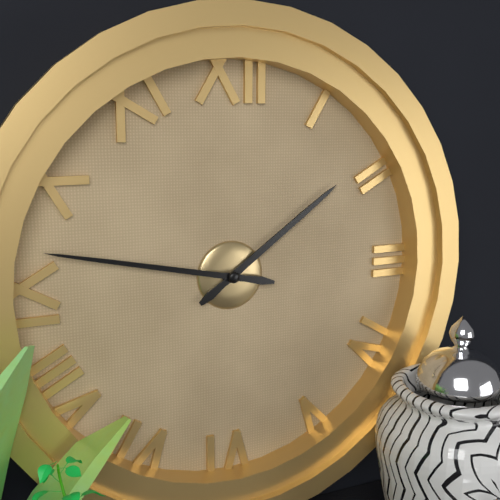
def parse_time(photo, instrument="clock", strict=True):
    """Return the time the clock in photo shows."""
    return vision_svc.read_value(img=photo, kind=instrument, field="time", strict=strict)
1:47
